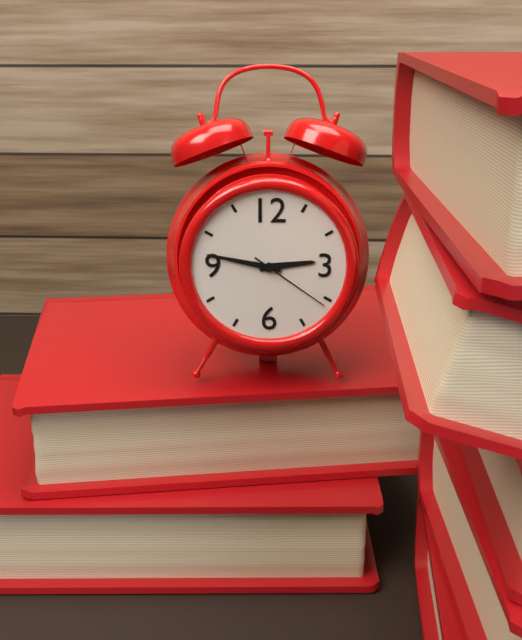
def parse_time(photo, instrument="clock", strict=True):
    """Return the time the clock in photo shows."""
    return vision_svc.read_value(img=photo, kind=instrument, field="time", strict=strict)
2:47:21
